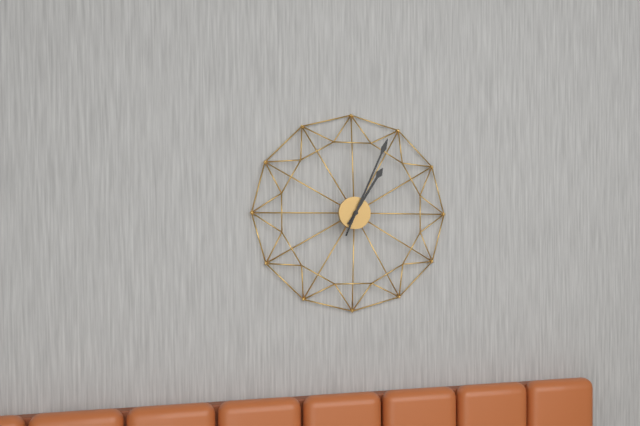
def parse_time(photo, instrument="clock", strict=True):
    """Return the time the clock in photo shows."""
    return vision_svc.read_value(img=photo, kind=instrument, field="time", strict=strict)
1:04
